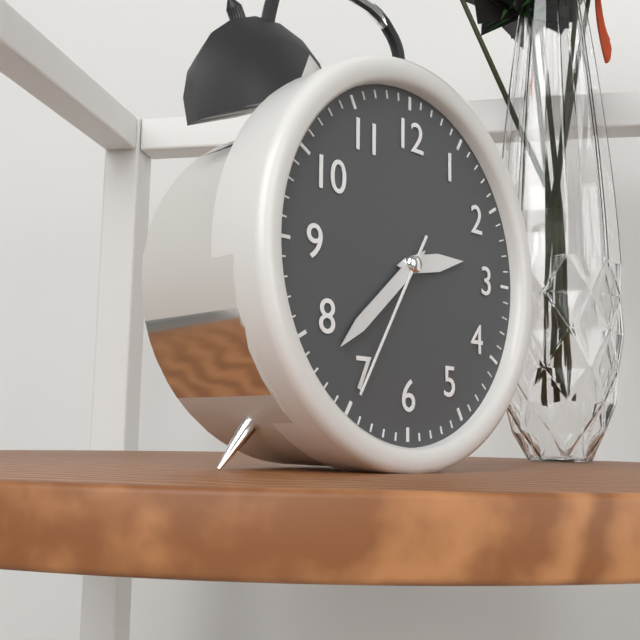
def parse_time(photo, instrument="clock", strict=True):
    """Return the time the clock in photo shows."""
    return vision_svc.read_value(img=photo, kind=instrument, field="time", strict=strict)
2:38:35
